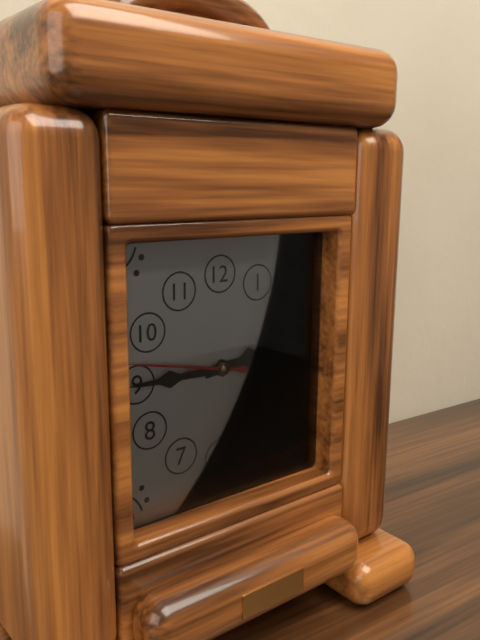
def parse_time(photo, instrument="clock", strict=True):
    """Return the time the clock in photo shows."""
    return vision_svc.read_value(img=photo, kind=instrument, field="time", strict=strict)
2:45:47
